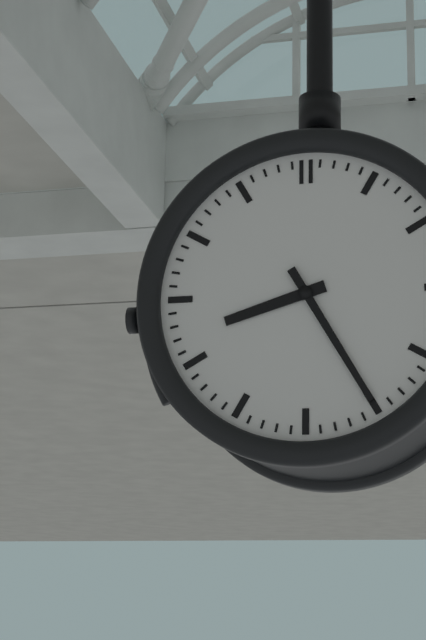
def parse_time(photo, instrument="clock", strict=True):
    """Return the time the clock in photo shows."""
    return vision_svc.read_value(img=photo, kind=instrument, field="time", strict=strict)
8:25
